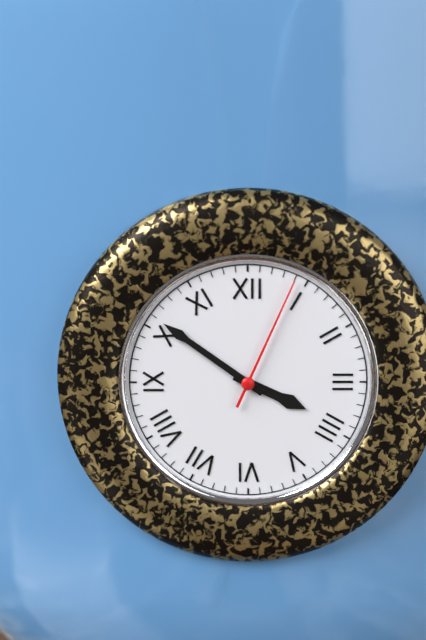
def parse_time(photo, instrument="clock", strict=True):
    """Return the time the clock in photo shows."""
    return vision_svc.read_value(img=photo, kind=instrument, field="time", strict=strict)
3:51:04
